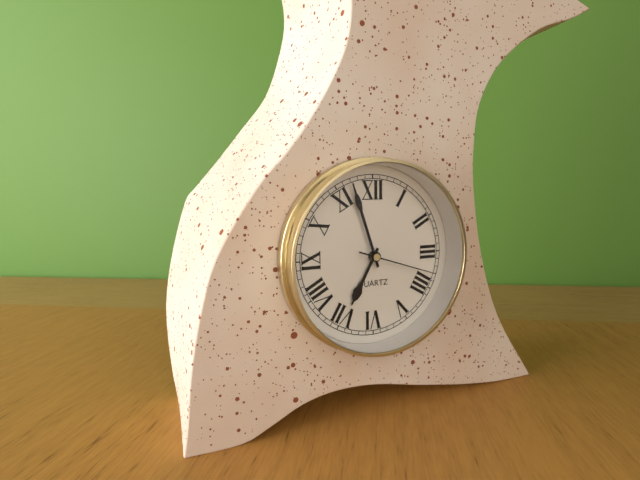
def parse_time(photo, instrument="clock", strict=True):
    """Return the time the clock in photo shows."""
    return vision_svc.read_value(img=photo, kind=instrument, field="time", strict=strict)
6:57:18
